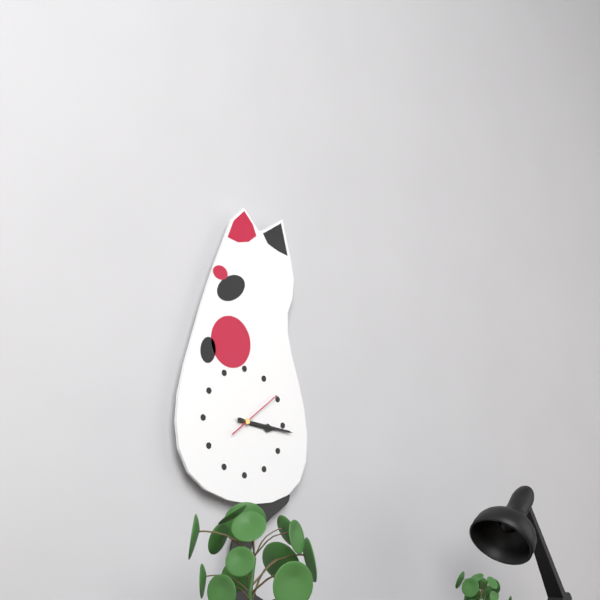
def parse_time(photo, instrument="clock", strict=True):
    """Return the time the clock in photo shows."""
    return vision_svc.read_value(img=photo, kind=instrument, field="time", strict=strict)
3:16:09
